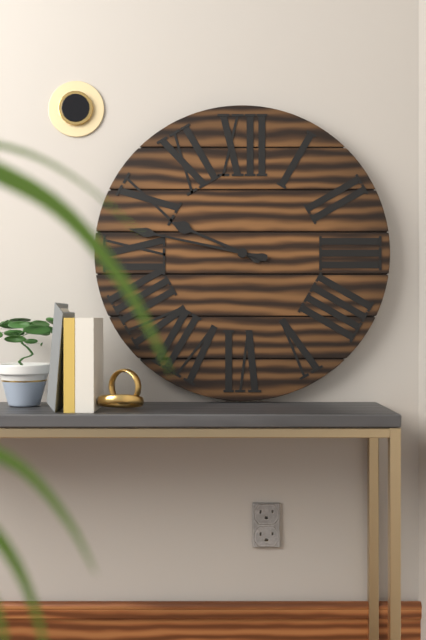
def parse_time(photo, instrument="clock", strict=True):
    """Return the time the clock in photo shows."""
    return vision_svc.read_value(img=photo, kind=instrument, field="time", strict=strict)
9:47
